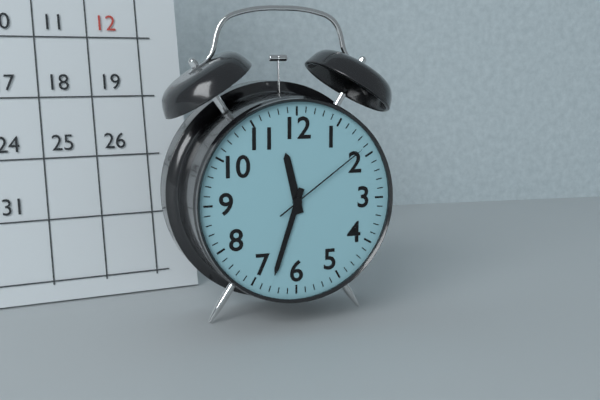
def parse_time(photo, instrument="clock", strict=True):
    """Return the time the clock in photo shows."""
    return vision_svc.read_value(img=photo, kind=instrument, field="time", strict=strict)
11:33:09
